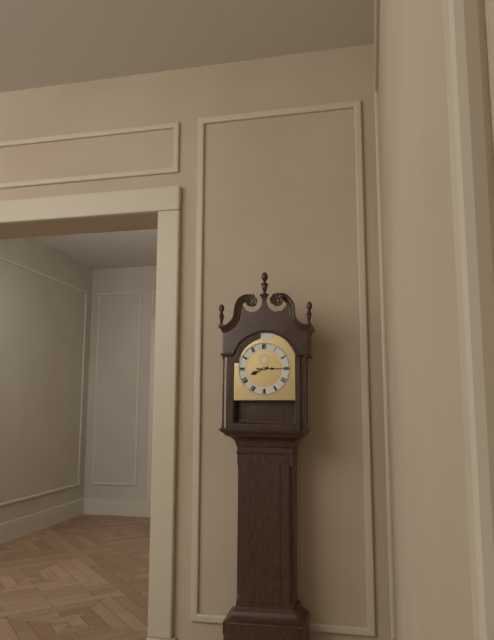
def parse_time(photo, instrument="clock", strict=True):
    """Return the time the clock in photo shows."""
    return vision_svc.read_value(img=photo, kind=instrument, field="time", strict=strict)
8:15
